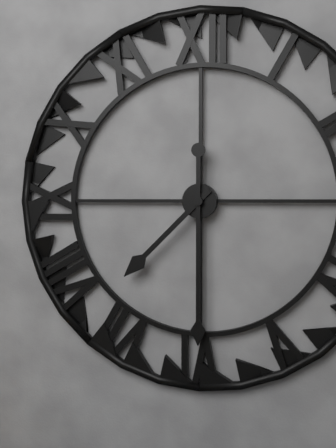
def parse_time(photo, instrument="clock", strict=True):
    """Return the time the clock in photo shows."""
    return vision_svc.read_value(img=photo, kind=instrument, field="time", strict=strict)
7:30
